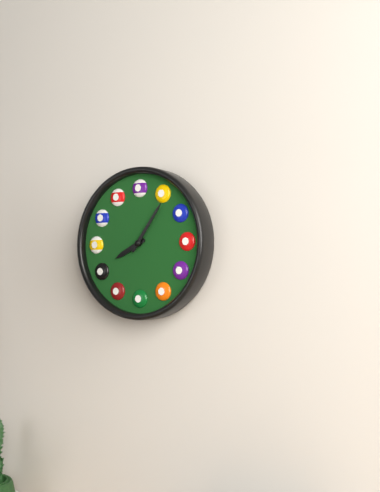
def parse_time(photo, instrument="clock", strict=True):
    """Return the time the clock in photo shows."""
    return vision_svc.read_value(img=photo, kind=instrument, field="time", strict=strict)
8:06
